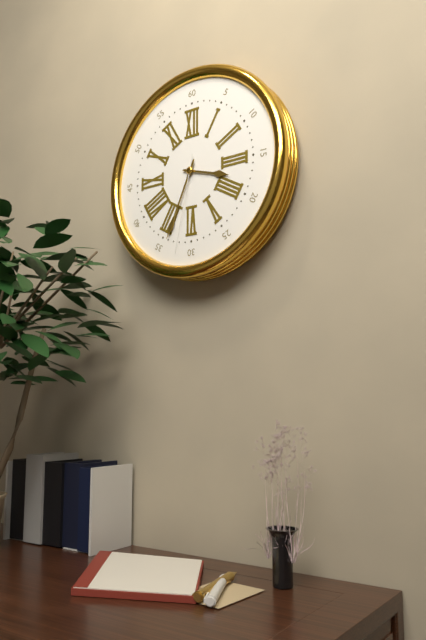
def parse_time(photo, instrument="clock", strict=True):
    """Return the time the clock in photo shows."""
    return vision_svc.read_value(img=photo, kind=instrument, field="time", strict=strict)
3:34:32
